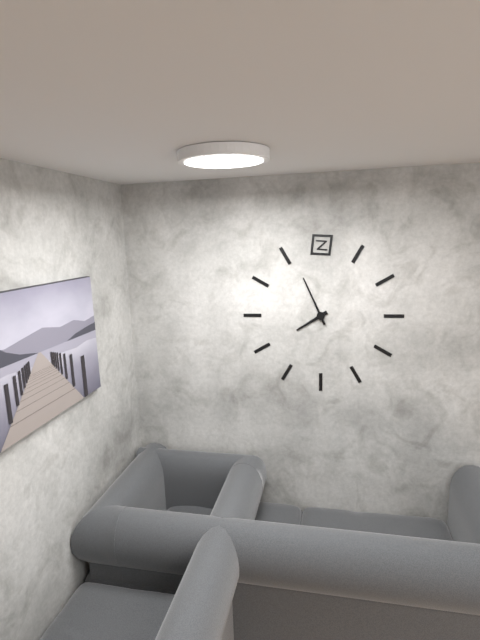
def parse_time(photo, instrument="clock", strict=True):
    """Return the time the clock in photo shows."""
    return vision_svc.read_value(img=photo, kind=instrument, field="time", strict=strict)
7:56
